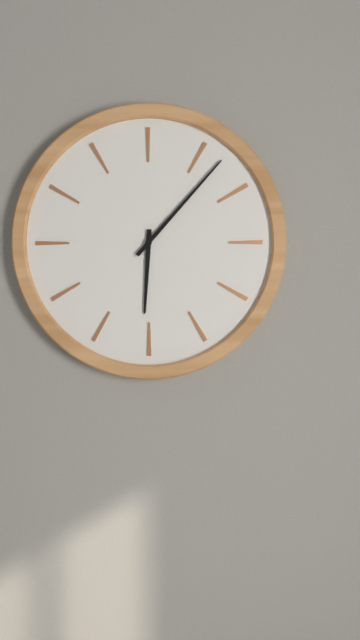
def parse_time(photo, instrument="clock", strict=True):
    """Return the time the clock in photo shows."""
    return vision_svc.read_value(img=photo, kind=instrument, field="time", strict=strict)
6:07
